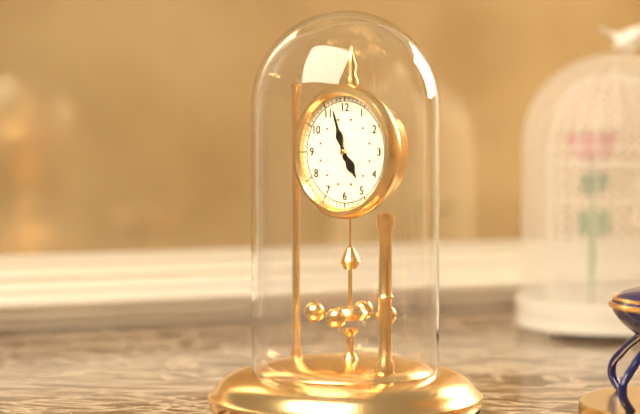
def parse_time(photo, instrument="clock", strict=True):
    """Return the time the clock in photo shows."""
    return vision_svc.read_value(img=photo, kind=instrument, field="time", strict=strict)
4:57
